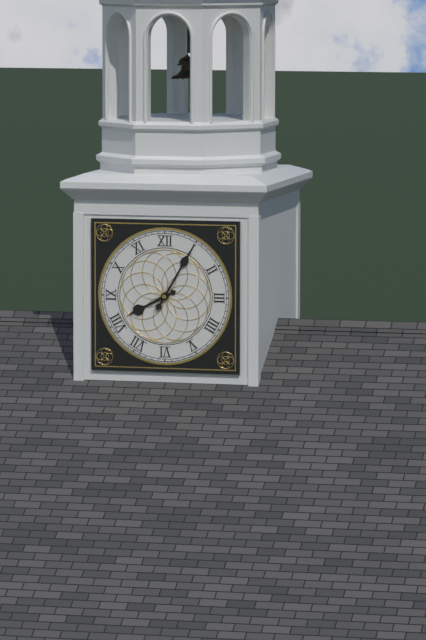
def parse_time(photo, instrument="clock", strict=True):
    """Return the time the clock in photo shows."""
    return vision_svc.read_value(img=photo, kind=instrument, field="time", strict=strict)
8:05
